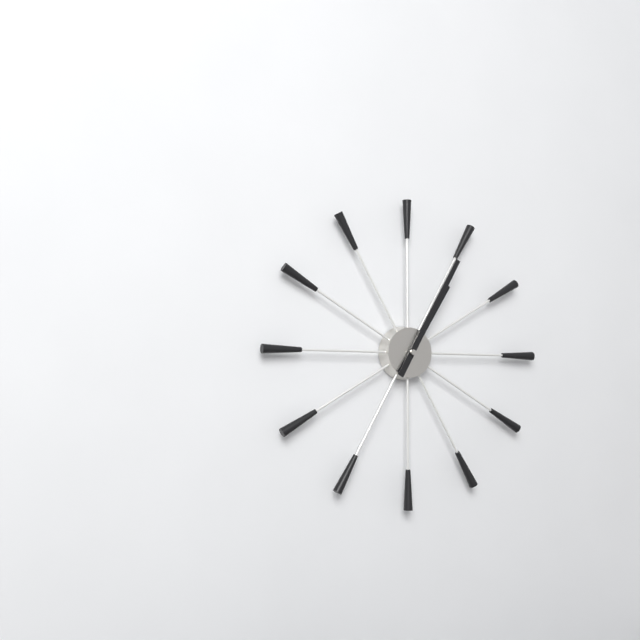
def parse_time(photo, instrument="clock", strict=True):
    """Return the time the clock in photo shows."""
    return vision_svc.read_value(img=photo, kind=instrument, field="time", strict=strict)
1:05
